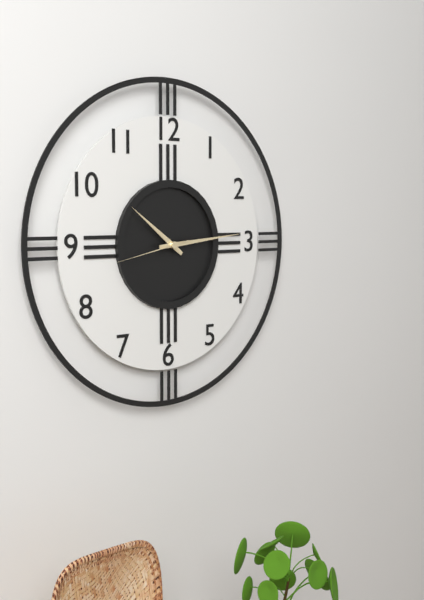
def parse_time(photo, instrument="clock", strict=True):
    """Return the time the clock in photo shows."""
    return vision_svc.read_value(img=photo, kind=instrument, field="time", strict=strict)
10:14:43
